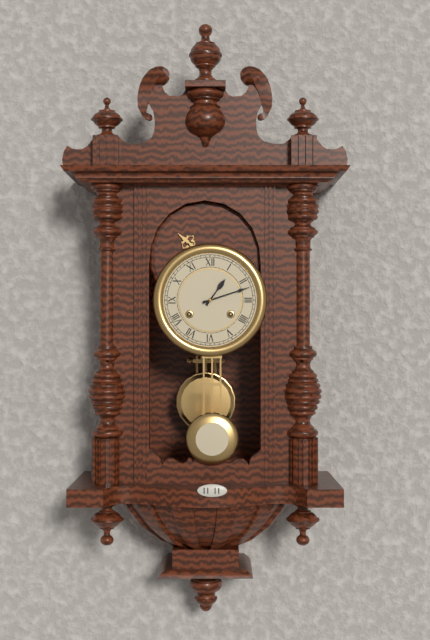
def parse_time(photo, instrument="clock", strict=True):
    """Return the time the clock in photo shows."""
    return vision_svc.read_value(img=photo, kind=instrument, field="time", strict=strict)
1:12
